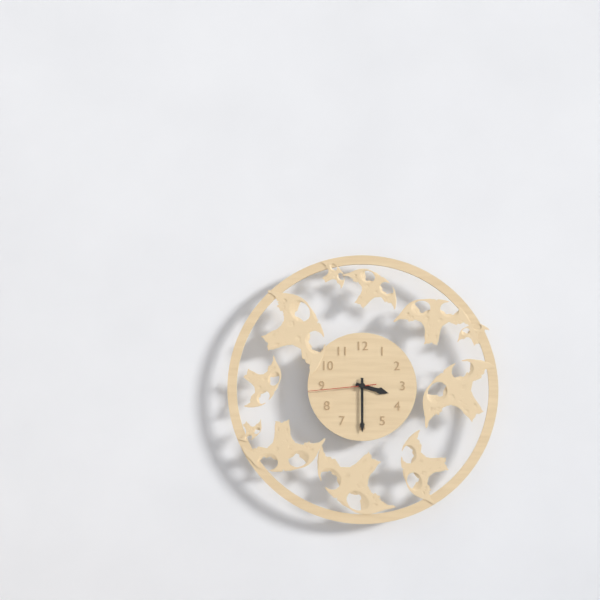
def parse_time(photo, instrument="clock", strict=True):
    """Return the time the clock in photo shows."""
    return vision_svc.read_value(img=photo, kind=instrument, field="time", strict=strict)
3:30:44
